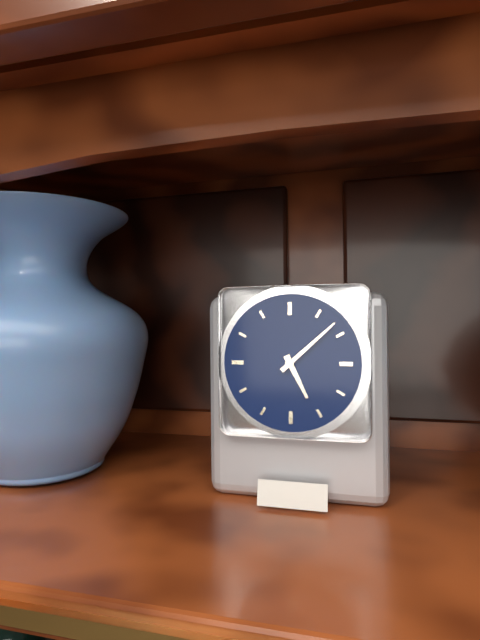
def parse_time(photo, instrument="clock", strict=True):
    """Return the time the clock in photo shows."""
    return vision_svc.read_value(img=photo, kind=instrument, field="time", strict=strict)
5:08
